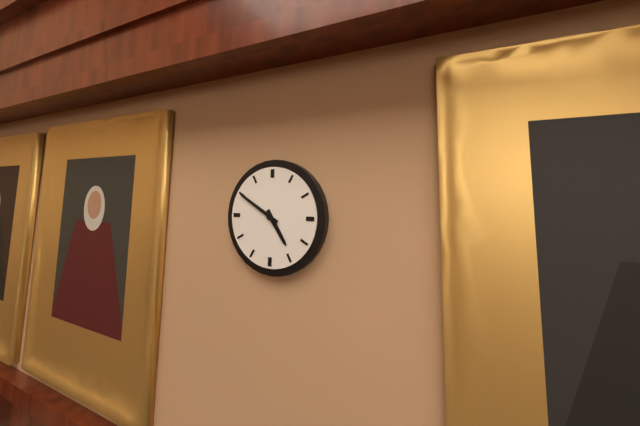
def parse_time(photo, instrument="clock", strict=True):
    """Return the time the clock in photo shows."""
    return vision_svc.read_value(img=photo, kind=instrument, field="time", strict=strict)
4:50
